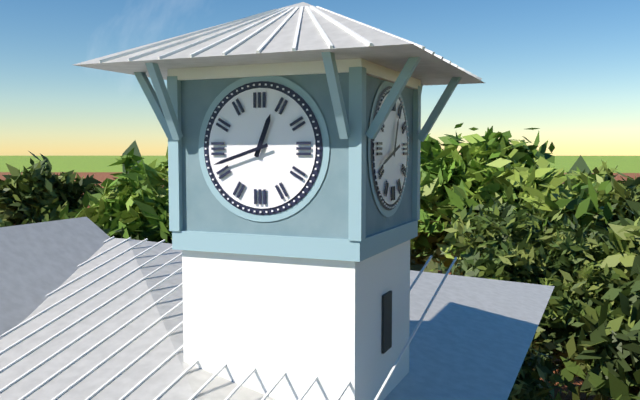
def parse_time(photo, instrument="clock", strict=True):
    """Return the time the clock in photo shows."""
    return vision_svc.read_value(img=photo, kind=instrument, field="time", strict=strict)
12:42
